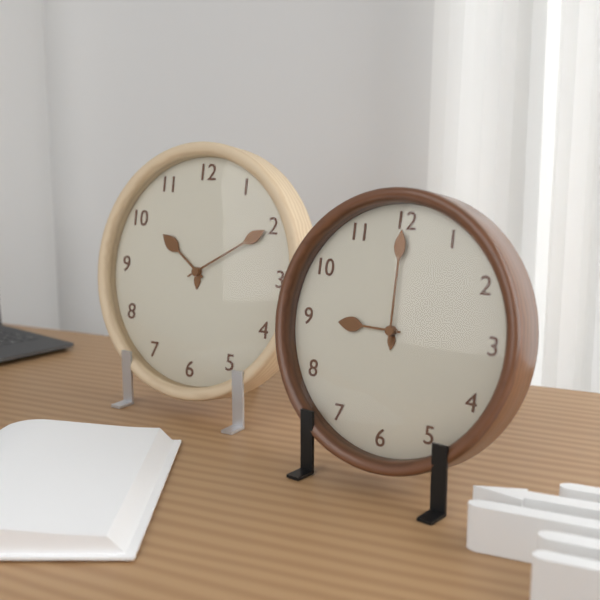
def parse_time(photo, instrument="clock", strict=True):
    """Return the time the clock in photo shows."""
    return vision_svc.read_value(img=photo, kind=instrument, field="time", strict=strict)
9:00
